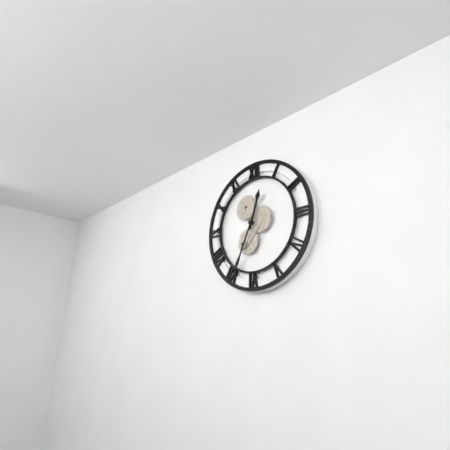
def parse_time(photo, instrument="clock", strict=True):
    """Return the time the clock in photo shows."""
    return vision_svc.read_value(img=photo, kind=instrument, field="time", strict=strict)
12:34
